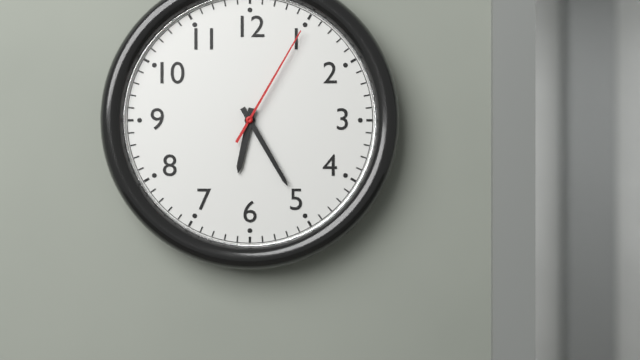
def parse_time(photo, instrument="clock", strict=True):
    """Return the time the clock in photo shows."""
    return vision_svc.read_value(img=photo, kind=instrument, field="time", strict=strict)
6:25:05
